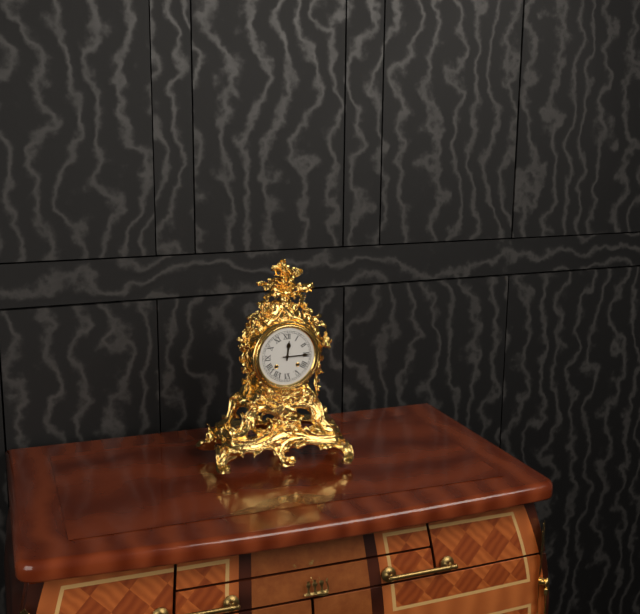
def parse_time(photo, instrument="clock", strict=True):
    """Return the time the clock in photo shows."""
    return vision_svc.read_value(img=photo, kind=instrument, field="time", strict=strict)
12:15
